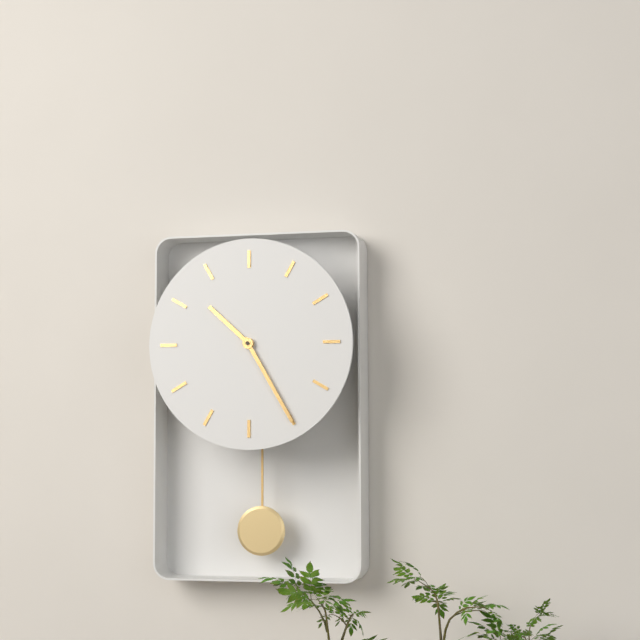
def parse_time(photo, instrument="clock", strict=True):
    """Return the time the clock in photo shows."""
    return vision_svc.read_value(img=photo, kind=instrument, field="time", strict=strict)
10:25
